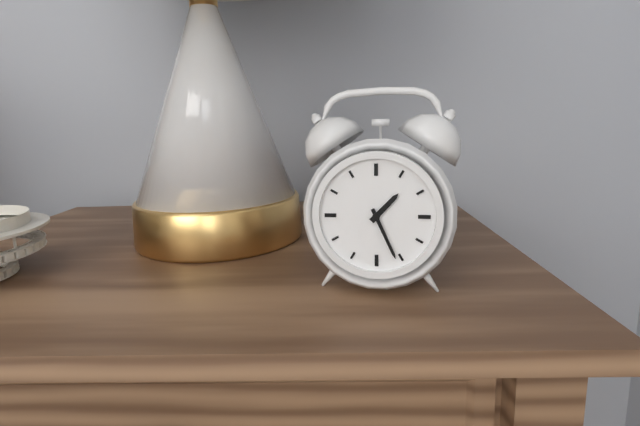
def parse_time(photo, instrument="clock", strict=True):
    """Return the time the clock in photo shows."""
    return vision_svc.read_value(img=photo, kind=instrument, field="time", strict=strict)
1:26
